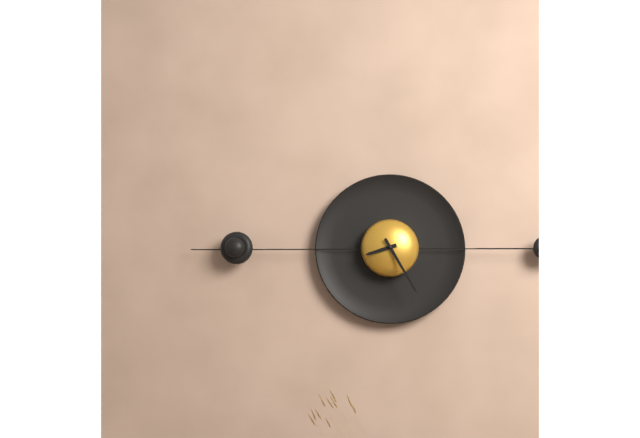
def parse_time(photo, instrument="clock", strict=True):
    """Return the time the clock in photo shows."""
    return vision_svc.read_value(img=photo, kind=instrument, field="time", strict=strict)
8:25
